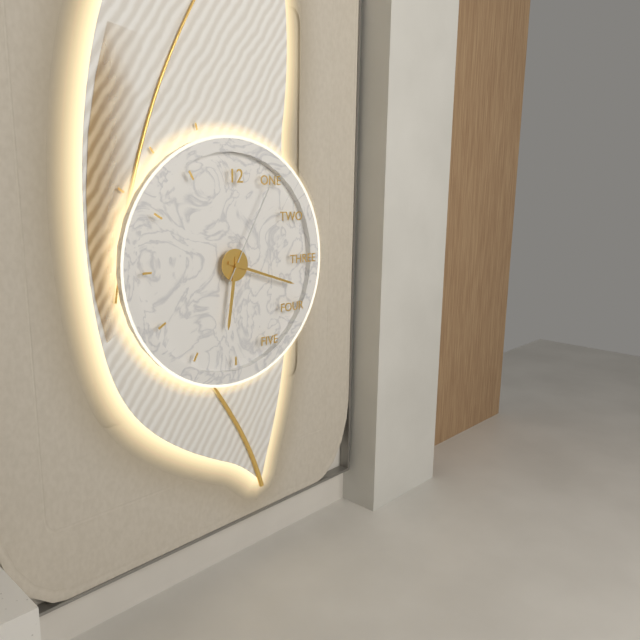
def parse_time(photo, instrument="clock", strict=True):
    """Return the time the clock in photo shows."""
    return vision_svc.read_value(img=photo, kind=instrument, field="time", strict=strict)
6:18:05
